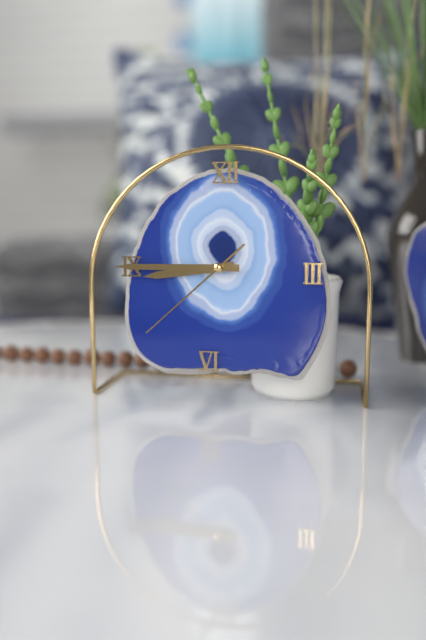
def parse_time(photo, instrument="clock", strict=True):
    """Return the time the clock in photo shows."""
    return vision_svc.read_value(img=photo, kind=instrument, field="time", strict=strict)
8:45:38
